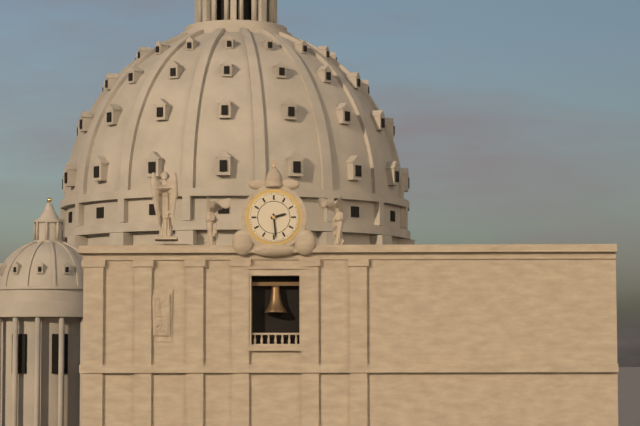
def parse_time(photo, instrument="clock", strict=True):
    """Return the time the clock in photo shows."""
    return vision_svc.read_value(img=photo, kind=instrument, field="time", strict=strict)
2:29
